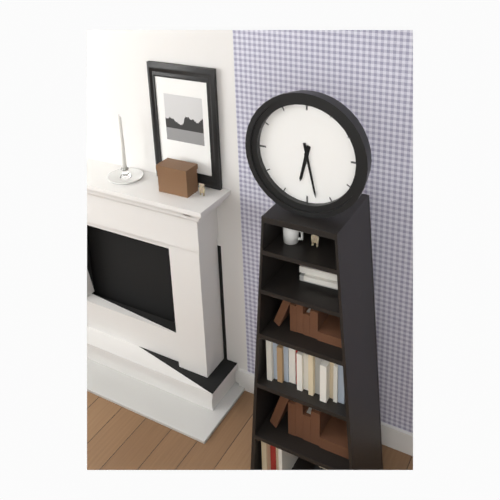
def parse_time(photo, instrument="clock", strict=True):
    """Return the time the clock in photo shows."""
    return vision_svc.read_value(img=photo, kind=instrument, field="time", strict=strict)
6:28
